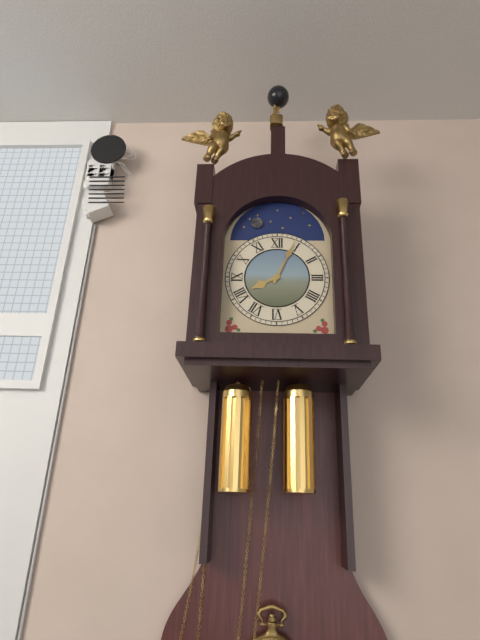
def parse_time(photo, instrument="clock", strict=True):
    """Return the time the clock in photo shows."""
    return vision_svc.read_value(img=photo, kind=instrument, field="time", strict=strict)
8:04
